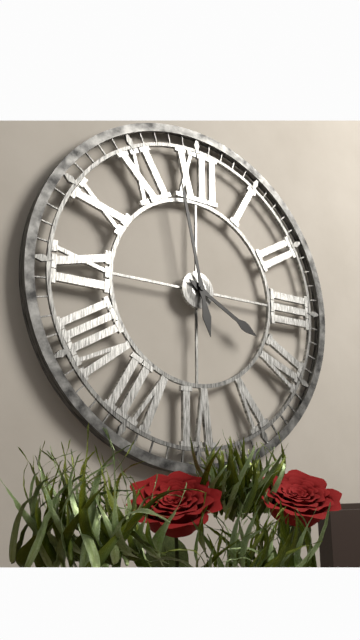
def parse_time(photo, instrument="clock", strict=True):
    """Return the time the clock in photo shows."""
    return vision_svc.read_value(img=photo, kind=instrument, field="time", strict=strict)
3:58
